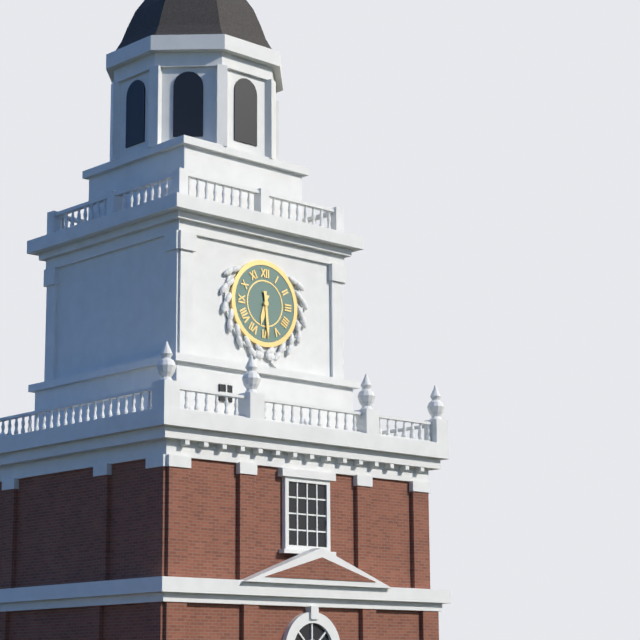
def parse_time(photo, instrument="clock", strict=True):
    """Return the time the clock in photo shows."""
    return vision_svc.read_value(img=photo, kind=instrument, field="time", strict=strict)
6:29
